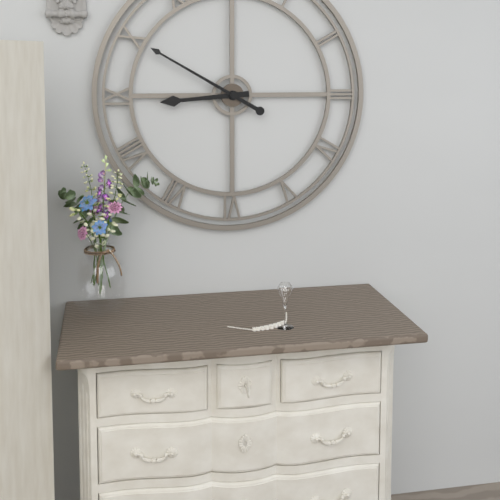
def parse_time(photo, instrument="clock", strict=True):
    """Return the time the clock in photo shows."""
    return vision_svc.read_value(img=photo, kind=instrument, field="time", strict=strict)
8:50
